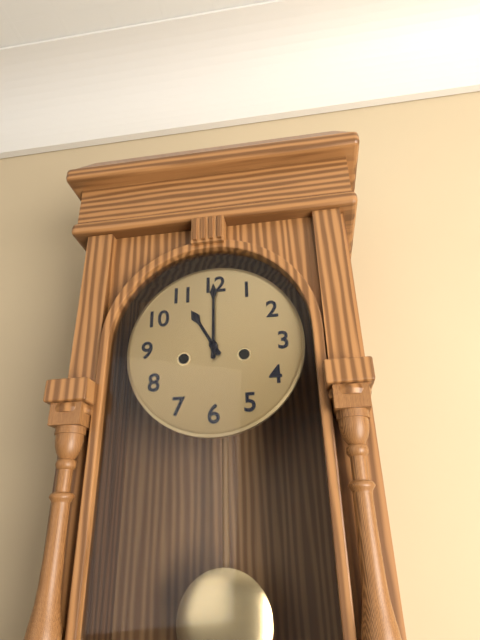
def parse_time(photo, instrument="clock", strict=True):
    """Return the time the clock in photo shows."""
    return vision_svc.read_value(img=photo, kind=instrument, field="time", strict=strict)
11:00
